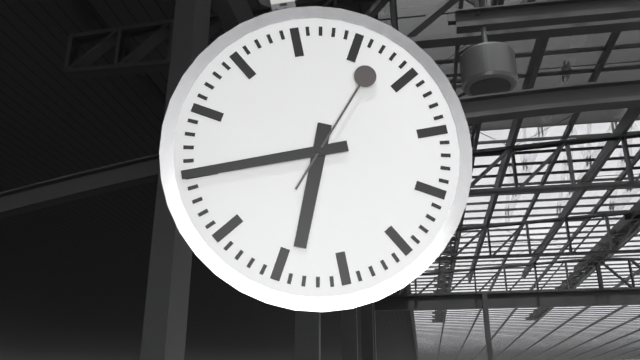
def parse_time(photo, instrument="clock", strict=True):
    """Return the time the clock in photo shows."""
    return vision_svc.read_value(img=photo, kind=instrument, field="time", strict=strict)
6:45:07
